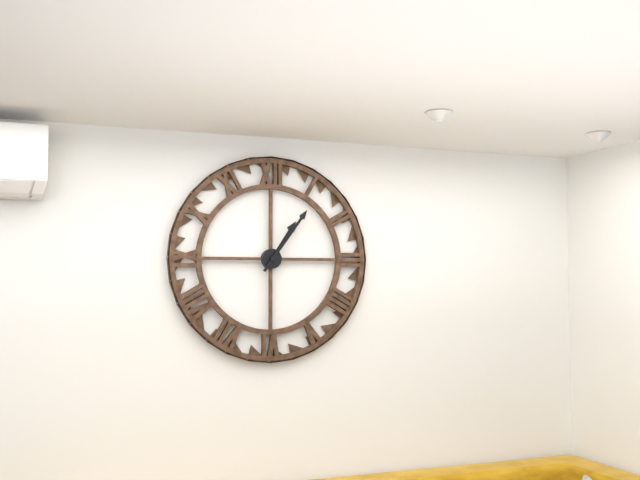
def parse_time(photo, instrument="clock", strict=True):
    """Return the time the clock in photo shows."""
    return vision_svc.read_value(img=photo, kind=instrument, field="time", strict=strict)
1:06
